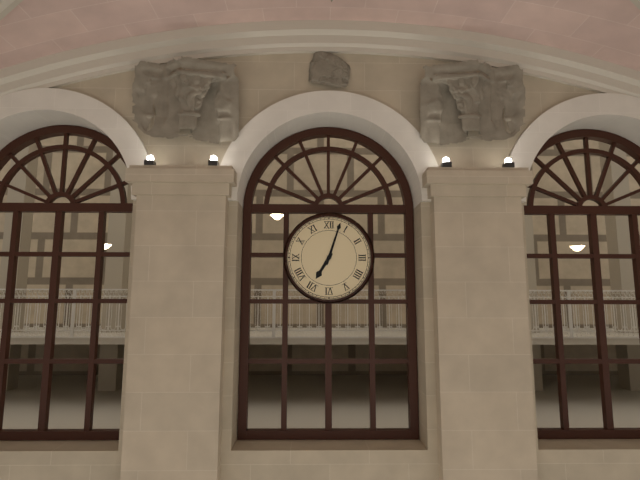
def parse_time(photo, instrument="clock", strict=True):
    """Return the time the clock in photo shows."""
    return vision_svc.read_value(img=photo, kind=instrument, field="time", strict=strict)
7:03
